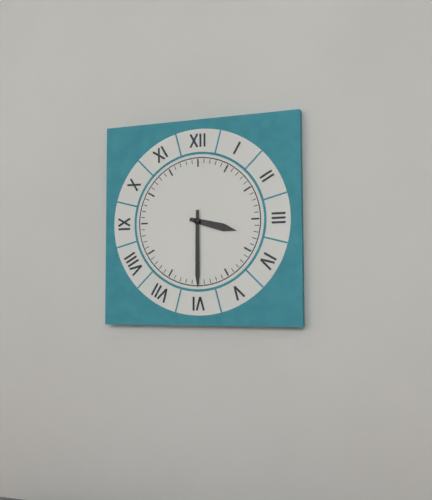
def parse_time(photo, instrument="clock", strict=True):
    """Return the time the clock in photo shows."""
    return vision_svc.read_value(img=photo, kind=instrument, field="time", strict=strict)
3:30
